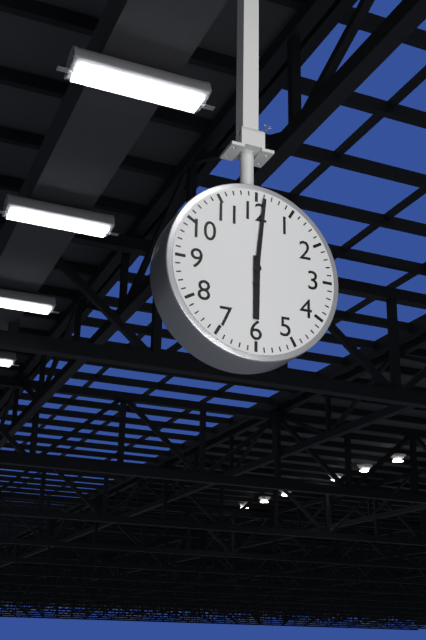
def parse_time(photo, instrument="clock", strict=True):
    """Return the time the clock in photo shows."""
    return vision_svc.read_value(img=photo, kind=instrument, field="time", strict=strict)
6:01
